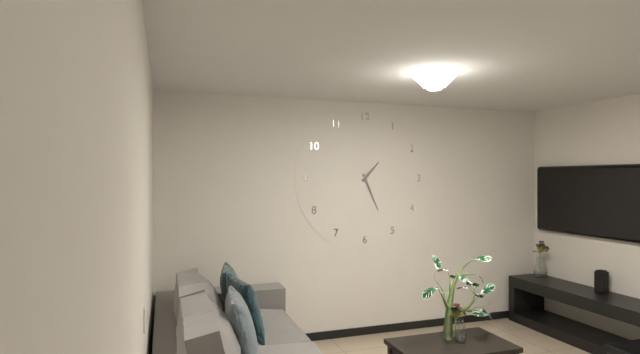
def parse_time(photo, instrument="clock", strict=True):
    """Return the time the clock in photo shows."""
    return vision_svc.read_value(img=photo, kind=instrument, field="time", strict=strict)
1:26
